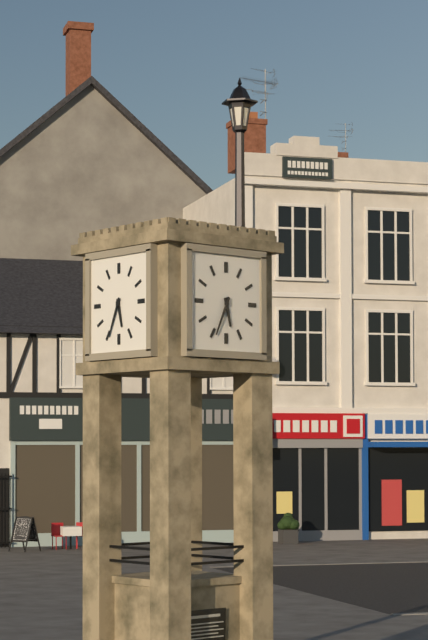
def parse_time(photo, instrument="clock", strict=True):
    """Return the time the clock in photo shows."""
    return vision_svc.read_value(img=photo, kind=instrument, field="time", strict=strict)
5:34
